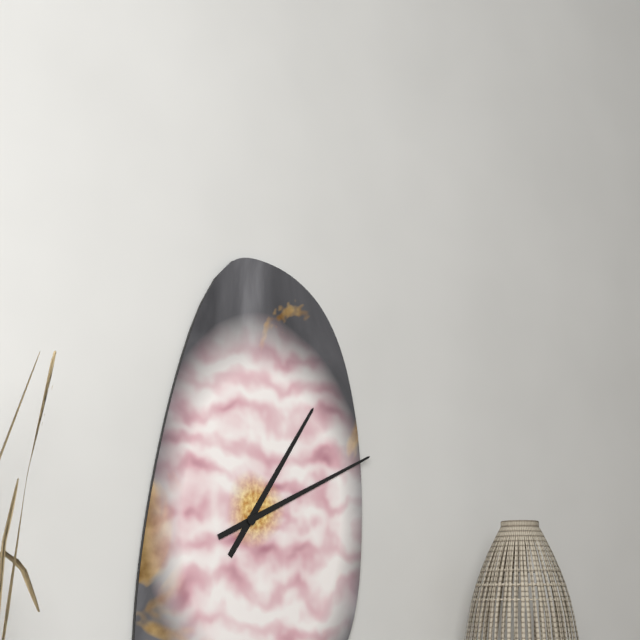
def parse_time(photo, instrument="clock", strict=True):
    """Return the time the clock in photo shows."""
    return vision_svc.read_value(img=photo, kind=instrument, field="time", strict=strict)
1:11
